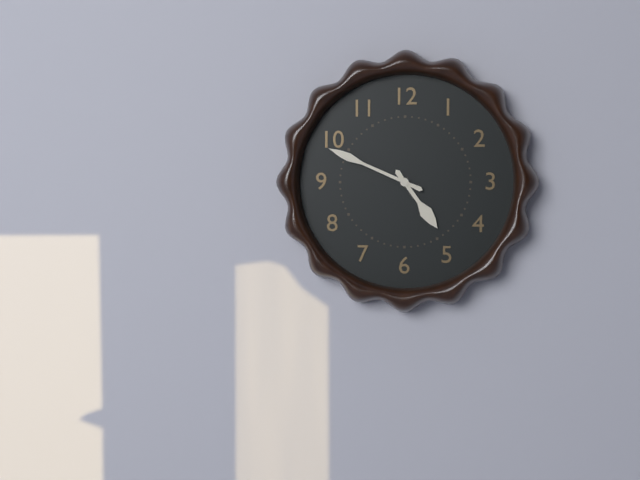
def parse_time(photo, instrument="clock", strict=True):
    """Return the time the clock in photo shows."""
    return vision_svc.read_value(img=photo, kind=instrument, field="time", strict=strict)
4:49
